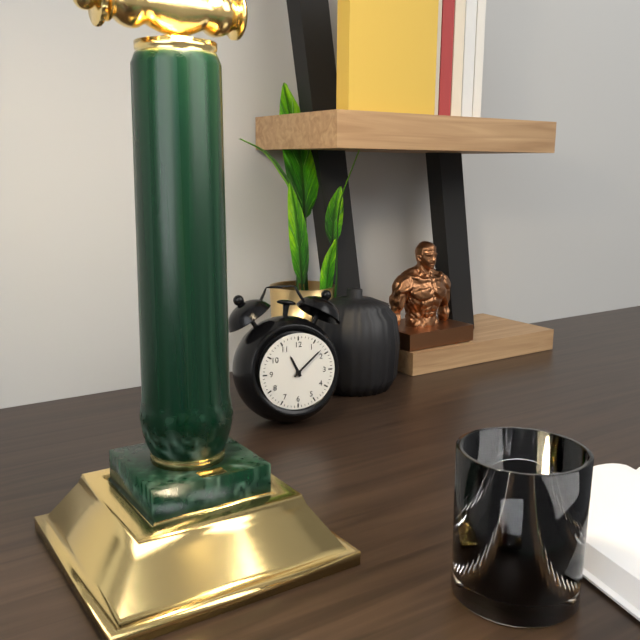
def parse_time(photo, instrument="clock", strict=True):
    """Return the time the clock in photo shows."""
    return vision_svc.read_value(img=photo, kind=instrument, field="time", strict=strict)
11:08
